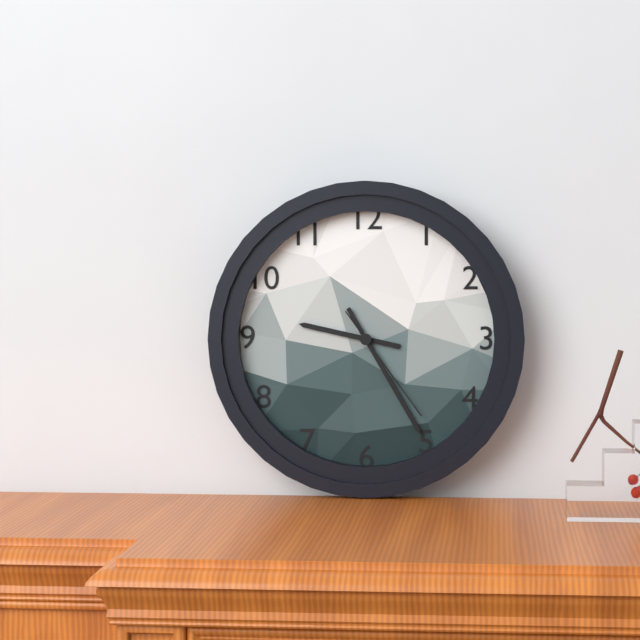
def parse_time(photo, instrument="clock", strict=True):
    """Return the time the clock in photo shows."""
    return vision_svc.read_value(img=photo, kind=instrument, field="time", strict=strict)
9:25:24
